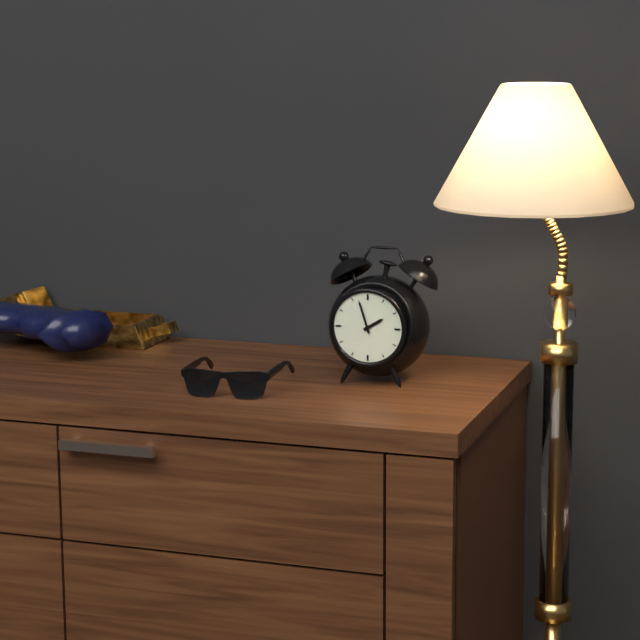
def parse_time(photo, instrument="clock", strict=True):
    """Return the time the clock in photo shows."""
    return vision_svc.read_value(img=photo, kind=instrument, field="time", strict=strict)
1:57
